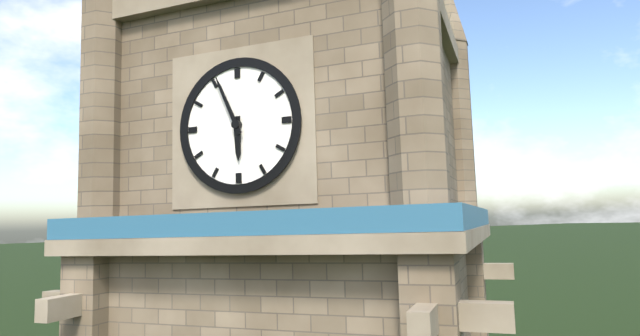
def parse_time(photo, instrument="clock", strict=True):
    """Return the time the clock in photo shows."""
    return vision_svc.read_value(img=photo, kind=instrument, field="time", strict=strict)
5:56
